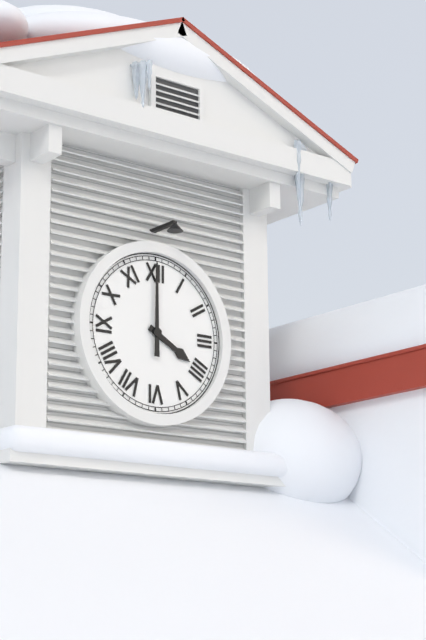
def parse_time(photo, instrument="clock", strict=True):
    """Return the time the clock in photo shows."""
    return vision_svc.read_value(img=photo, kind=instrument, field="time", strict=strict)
4:00
